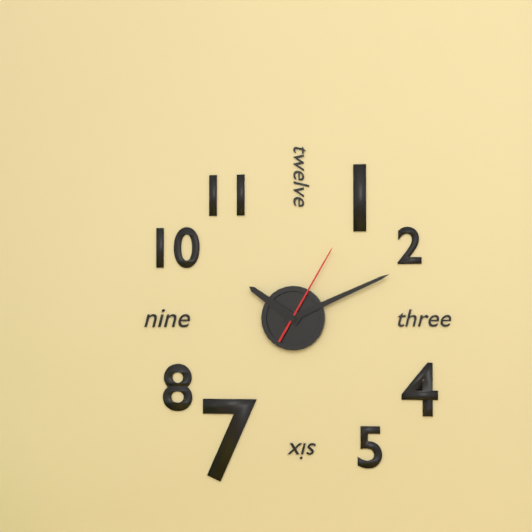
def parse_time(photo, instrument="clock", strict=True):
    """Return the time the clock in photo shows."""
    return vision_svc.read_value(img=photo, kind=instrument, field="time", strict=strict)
10:11:05
